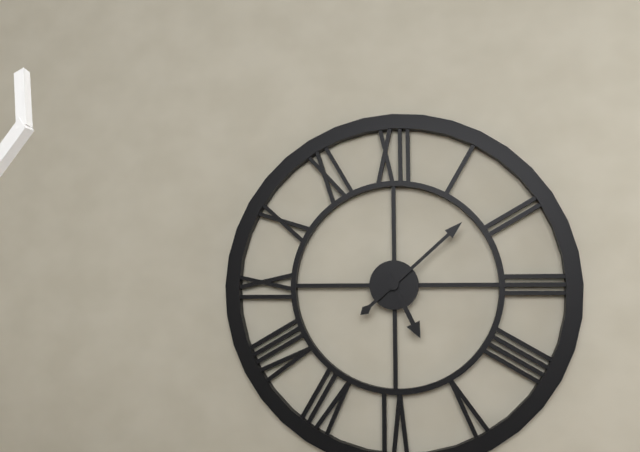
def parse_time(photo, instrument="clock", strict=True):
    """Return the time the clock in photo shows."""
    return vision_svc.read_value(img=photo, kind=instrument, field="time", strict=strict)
5:08
